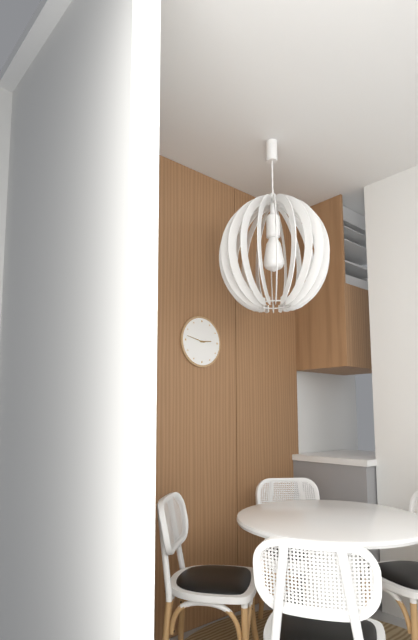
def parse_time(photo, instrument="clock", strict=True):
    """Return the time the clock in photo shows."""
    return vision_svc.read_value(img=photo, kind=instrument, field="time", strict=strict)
2:47
